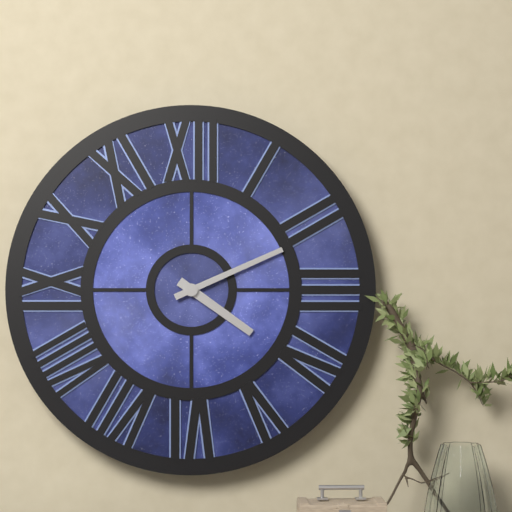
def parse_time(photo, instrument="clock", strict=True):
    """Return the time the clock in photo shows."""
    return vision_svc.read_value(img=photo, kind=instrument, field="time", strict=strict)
4:11
